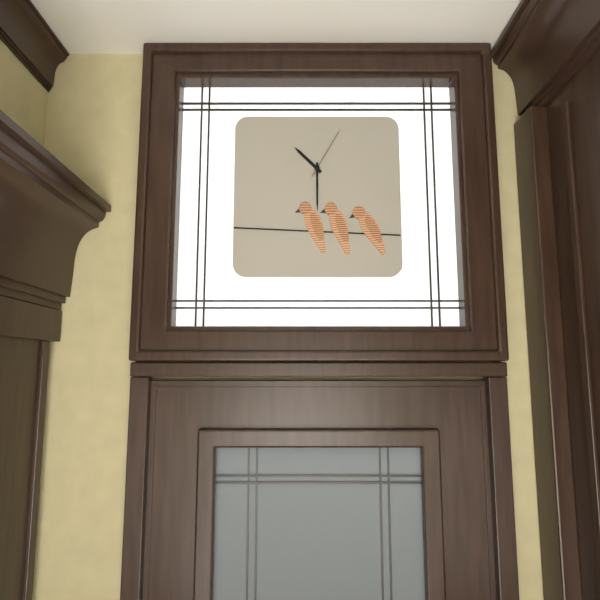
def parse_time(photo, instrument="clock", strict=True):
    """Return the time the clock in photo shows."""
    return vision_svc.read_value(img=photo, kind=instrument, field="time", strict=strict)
10:30:05
